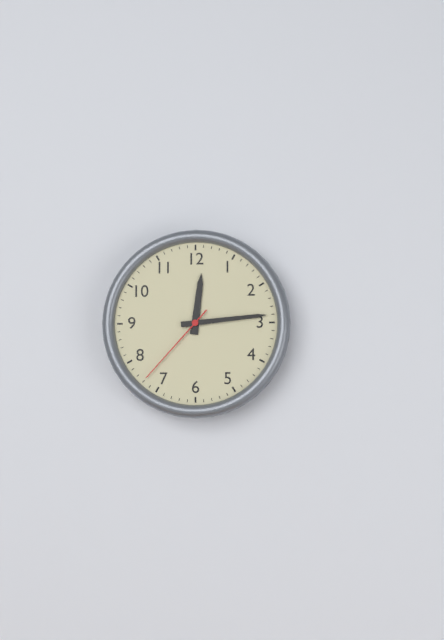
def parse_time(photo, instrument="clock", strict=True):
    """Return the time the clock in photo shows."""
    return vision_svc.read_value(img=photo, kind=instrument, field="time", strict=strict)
12:14:37
